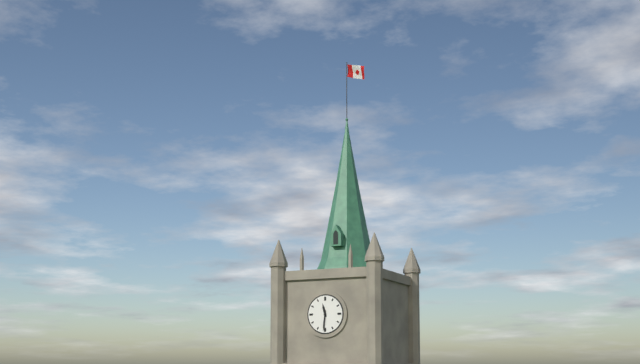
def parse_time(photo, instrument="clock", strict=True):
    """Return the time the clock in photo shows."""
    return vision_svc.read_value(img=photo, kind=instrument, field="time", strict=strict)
11:31
